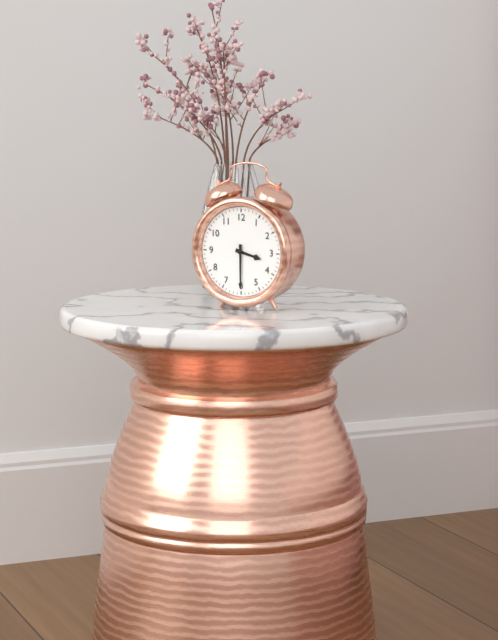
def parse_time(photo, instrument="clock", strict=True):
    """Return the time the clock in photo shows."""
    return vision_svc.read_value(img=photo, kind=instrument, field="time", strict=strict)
3:30
